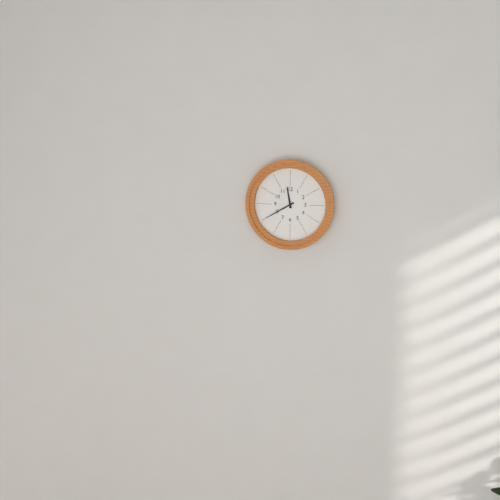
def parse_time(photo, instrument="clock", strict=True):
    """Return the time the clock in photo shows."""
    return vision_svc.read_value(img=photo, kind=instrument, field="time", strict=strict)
11:40
